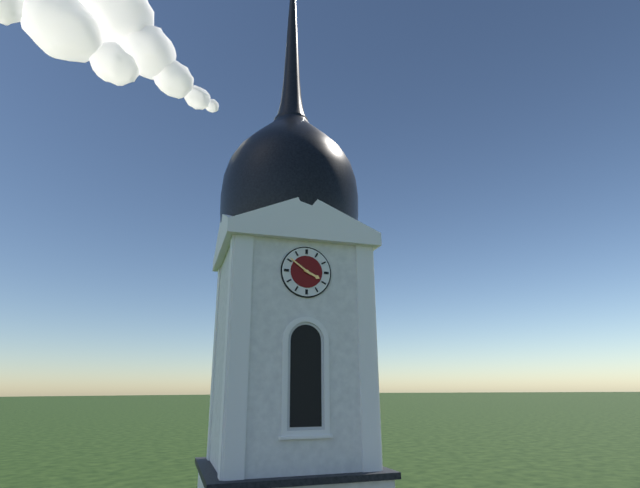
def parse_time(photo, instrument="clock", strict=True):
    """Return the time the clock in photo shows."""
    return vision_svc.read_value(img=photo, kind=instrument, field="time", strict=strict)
3:51
